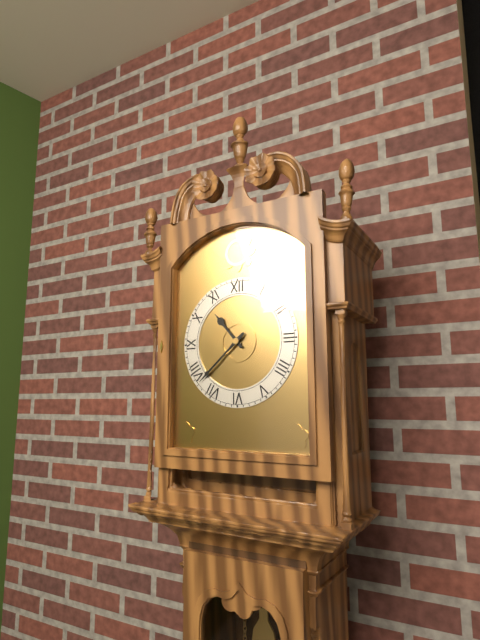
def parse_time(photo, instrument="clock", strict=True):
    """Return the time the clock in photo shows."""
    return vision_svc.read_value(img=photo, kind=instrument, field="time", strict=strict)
10:38
